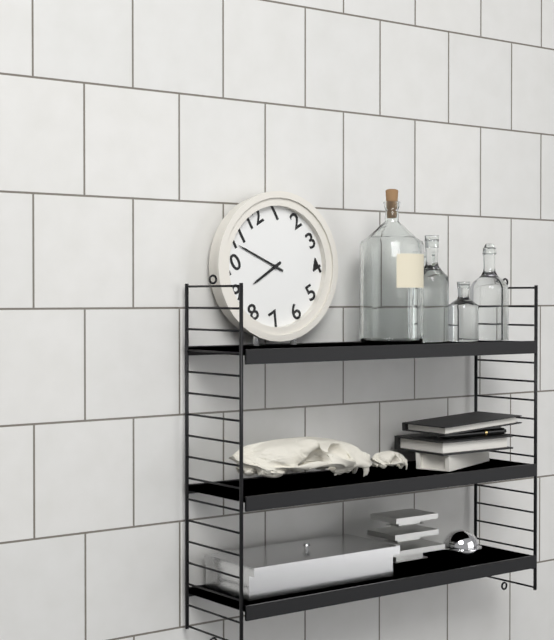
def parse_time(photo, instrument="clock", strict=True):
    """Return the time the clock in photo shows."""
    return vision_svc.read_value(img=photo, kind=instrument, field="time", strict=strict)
8:54
